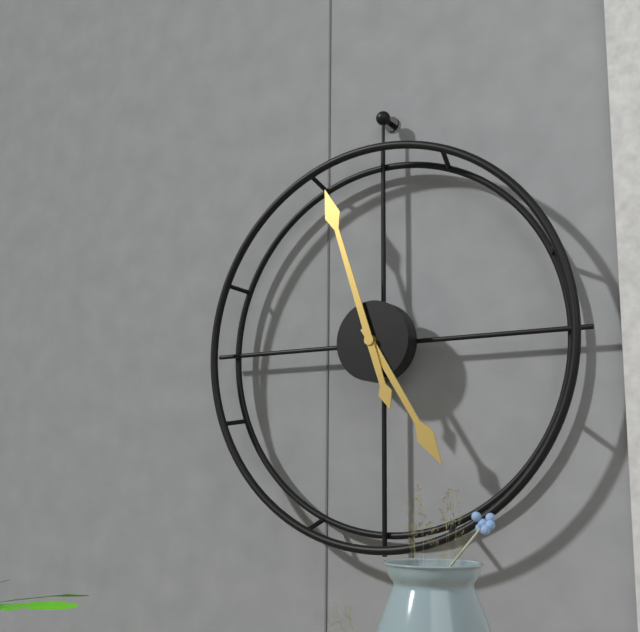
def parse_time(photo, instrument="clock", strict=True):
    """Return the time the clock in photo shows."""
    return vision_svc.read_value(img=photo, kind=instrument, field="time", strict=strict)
4:57
